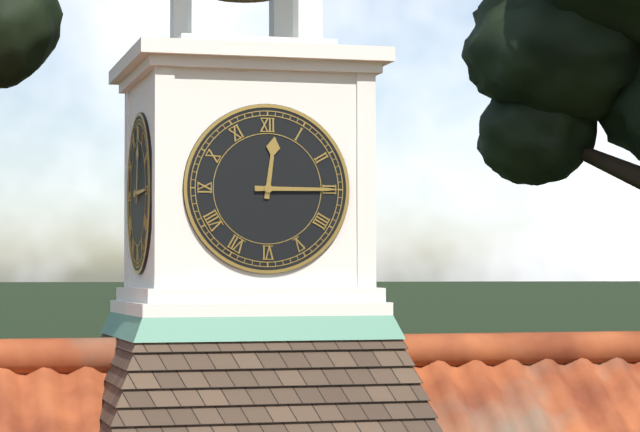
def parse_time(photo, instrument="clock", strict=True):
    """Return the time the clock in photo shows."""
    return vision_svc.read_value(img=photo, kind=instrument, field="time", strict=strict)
12:15
